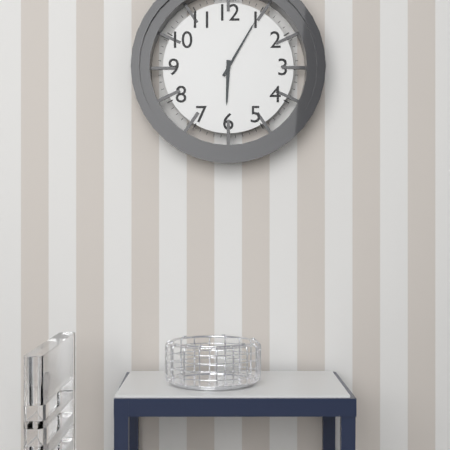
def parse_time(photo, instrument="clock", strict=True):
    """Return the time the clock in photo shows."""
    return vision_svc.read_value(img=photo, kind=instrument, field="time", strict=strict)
6:05
